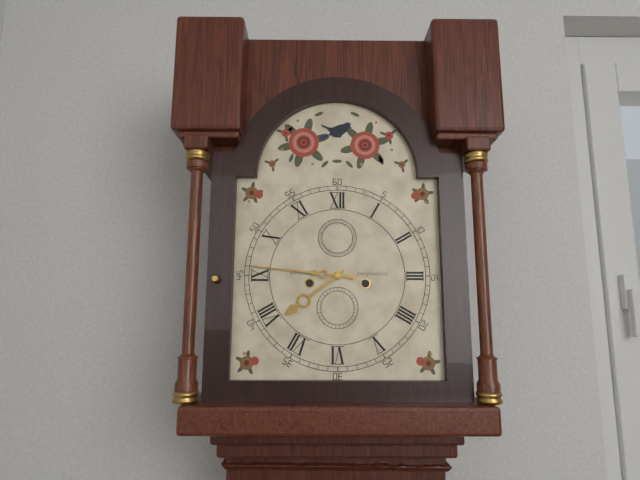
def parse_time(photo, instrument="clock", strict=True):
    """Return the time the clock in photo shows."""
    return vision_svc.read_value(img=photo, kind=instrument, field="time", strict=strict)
7:46
